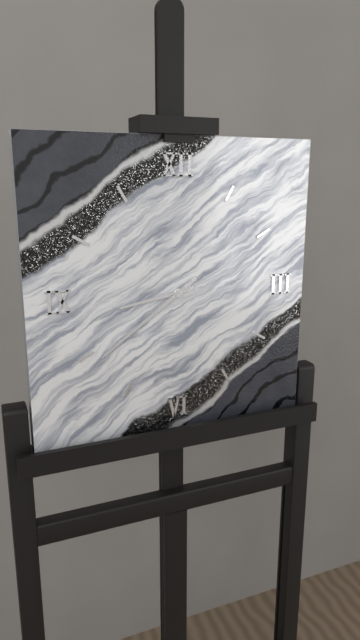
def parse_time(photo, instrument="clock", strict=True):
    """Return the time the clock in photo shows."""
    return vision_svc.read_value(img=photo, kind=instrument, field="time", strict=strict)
8:39
